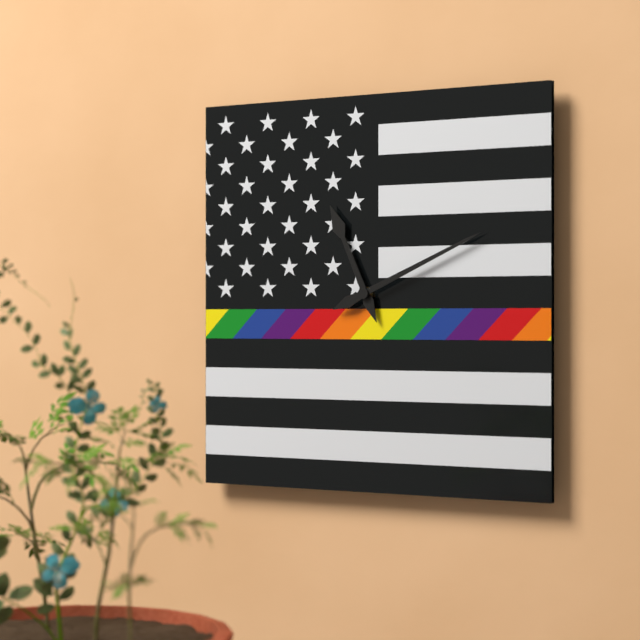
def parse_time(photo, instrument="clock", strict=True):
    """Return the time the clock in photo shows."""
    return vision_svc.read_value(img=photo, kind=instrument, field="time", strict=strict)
11:11
